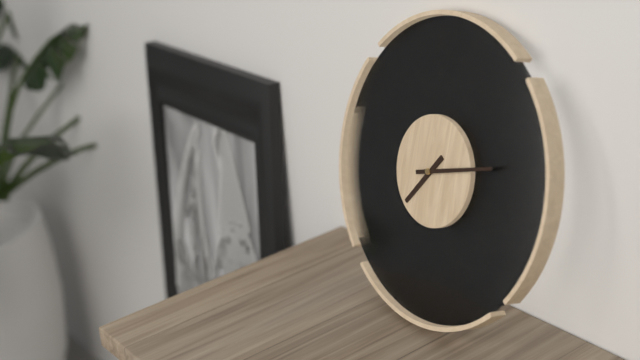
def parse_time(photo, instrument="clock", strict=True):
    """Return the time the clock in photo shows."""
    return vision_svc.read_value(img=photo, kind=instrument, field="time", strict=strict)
7:12
